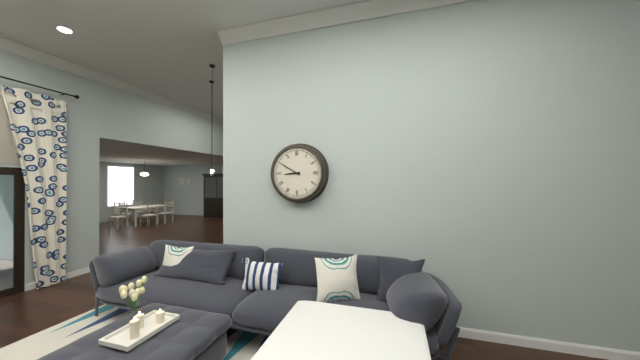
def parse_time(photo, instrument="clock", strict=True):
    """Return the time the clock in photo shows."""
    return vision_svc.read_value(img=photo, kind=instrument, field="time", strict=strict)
8:50
